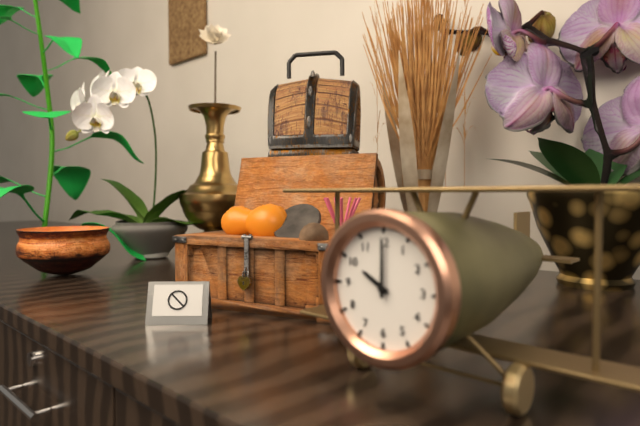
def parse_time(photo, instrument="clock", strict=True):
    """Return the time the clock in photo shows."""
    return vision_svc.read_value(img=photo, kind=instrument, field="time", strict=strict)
10:00
